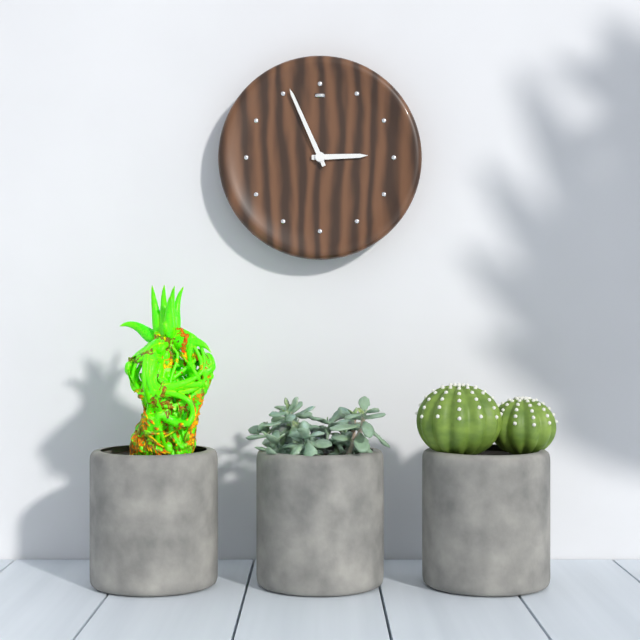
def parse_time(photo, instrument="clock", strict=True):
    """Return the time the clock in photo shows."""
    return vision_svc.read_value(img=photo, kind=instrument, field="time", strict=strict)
2:56
